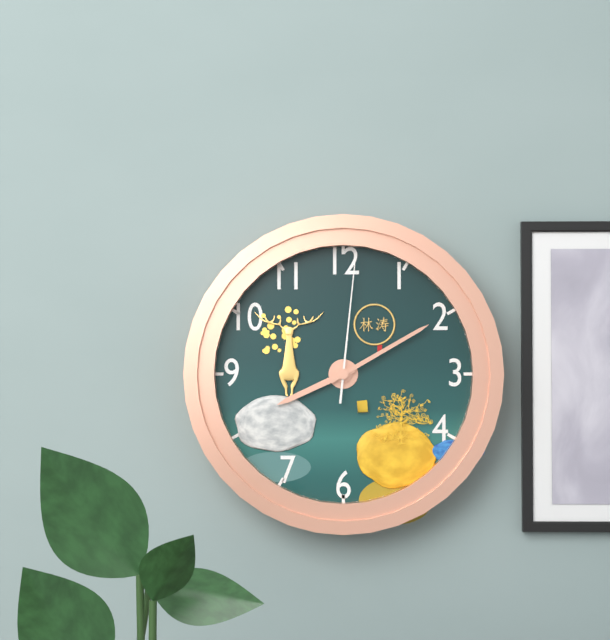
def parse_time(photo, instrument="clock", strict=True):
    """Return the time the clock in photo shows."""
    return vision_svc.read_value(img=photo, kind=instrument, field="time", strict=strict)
8:10:01
